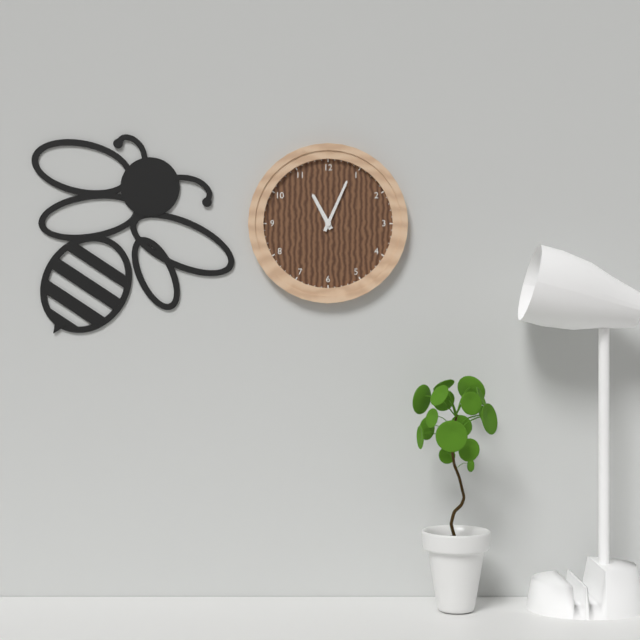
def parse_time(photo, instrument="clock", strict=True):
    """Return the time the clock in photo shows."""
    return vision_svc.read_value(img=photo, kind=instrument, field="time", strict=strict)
11:04
